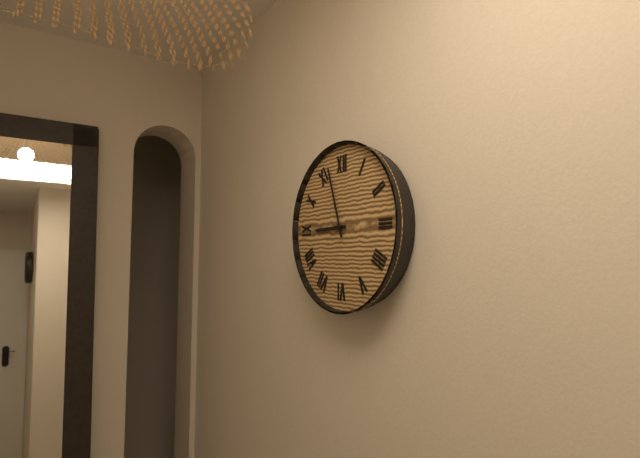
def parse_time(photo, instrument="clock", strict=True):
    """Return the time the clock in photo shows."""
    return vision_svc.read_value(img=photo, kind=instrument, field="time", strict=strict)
8:57
